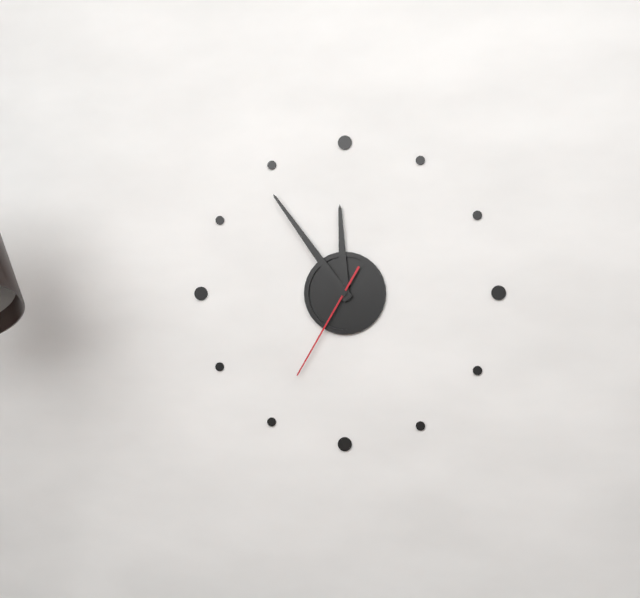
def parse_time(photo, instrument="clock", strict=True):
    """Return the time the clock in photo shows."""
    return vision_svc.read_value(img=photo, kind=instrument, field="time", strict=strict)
11:54:35
